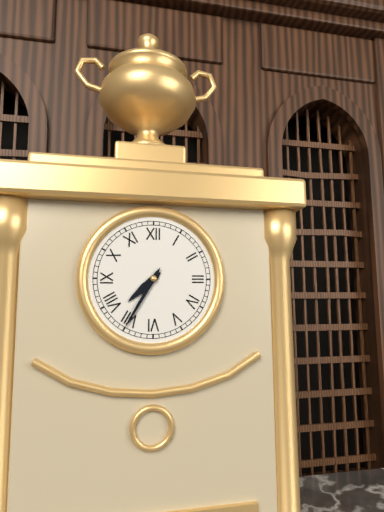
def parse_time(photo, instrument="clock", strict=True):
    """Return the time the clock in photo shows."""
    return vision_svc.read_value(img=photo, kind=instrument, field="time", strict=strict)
7:35
